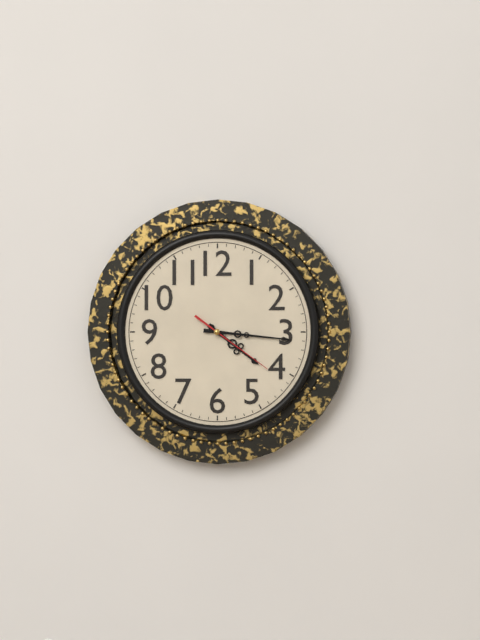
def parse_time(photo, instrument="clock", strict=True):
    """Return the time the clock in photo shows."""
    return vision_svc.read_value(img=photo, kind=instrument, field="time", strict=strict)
4:16:21
